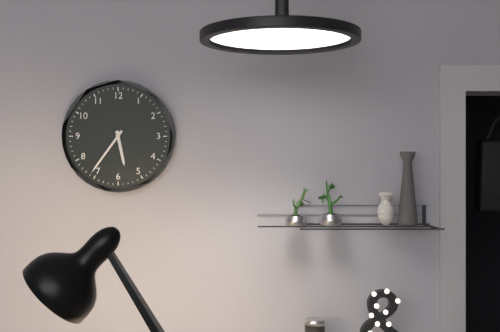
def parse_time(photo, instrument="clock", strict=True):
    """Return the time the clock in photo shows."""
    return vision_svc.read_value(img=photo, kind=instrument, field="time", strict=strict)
5:36
